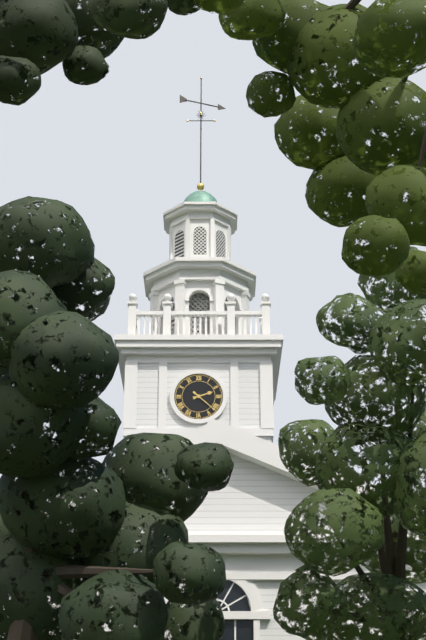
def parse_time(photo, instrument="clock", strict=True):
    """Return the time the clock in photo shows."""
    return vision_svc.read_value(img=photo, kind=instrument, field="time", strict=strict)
2:22
